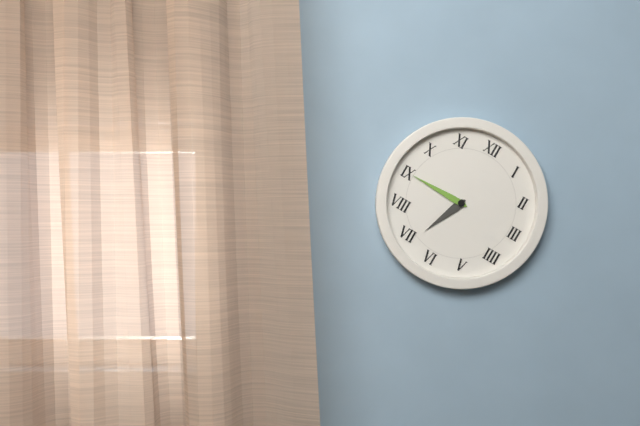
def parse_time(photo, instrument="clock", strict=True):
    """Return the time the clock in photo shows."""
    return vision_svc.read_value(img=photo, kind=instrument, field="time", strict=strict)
6:45
